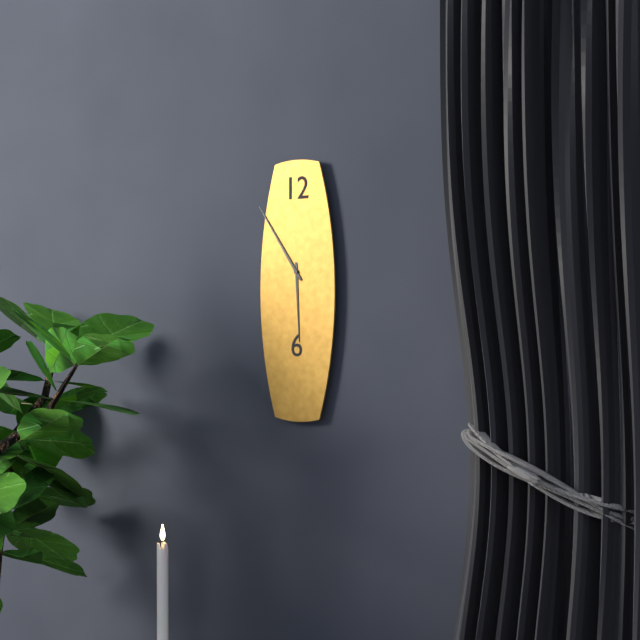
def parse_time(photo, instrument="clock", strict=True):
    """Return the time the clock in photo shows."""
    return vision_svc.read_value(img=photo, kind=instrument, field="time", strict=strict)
5:54
